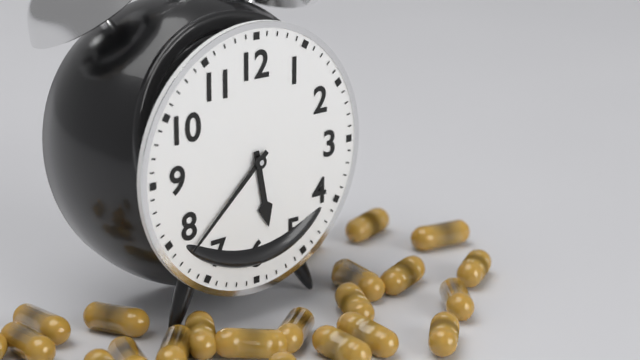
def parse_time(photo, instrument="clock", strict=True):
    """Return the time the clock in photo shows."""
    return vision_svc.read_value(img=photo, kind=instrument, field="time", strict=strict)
5:38
